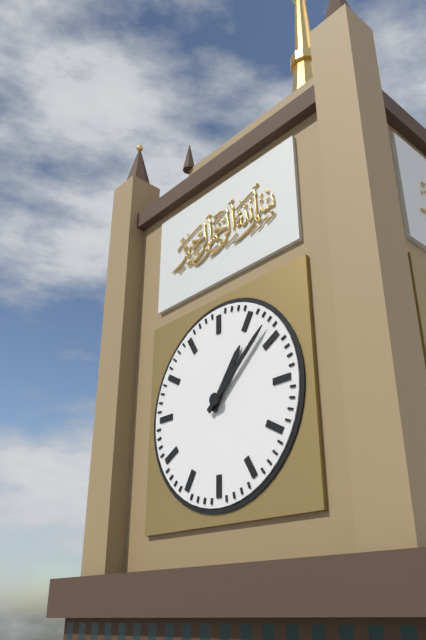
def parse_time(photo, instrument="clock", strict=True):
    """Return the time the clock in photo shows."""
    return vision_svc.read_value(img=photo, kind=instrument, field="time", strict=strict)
1:08
